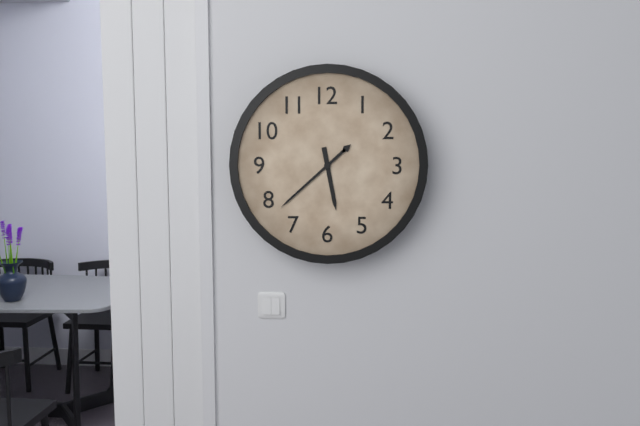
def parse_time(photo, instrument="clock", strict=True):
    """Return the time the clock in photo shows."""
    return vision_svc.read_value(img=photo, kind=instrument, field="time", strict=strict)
5:38
